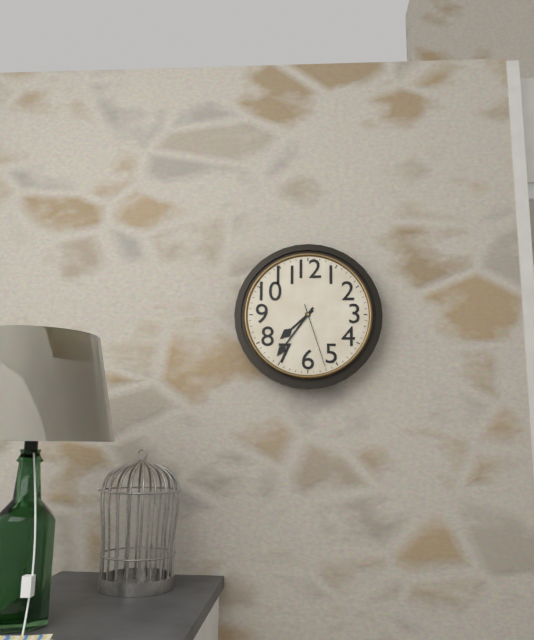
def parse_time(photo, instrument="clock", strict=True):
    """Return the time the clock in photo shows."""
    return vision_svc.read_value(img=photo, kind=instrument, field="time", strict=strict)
7:36:27
